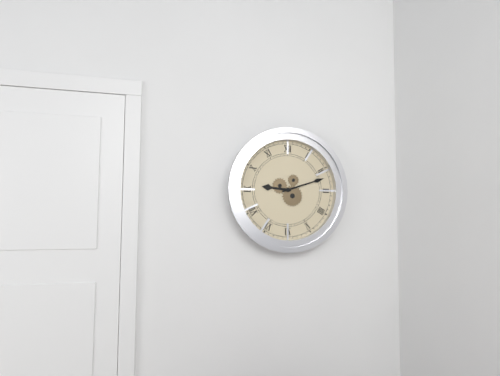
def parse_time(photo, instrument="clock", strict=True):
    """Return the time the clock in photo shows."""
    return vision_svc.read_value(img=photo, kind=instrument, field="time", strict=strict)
9:12
